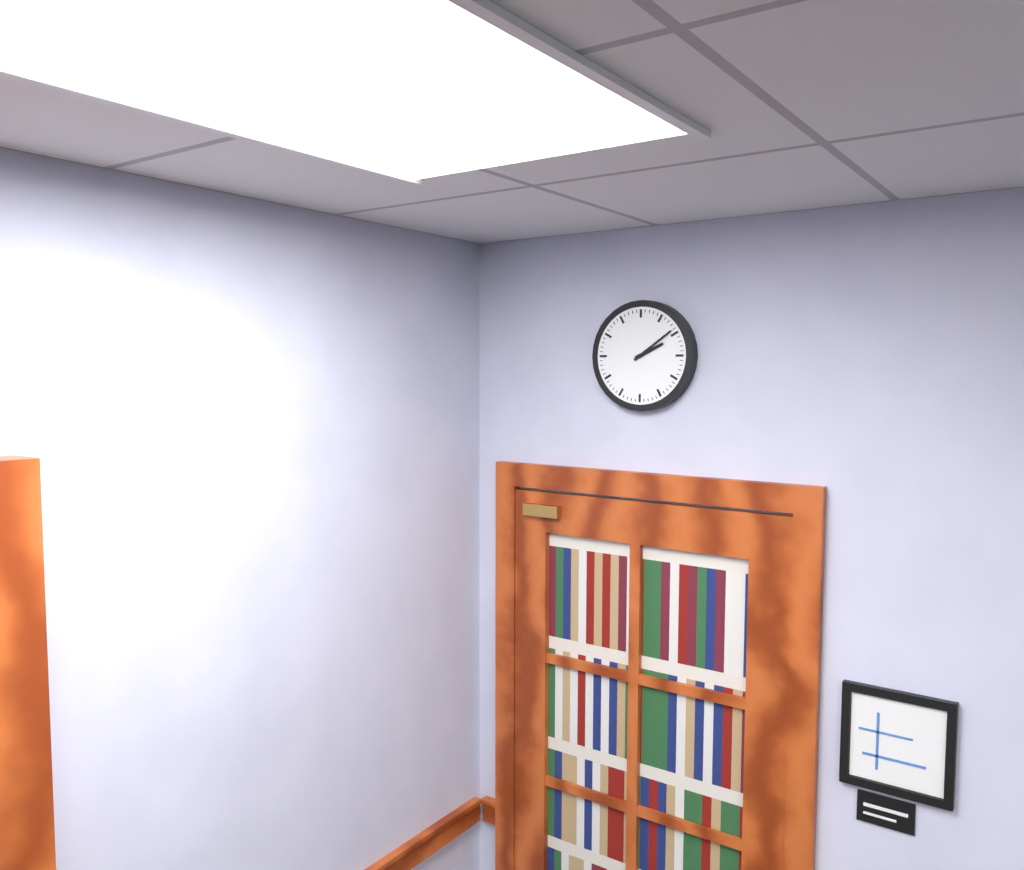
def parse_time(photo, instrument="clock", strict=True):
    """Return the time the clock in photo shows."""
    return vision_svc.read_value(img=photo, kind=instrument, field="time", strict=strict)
2:09
